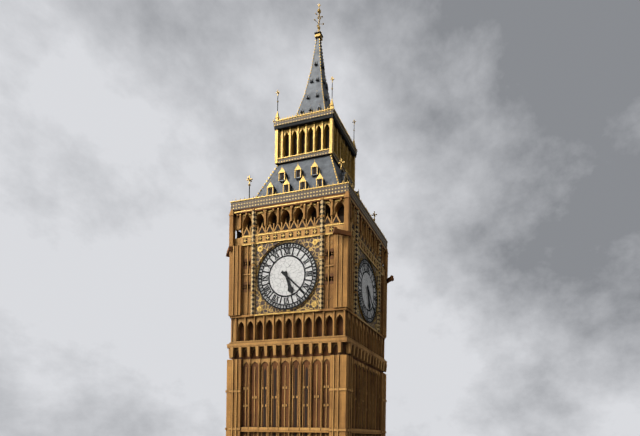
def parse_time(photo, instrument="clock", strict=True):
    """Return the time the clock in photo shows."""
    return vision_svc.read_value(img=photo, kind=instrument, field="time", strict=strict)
5:22
